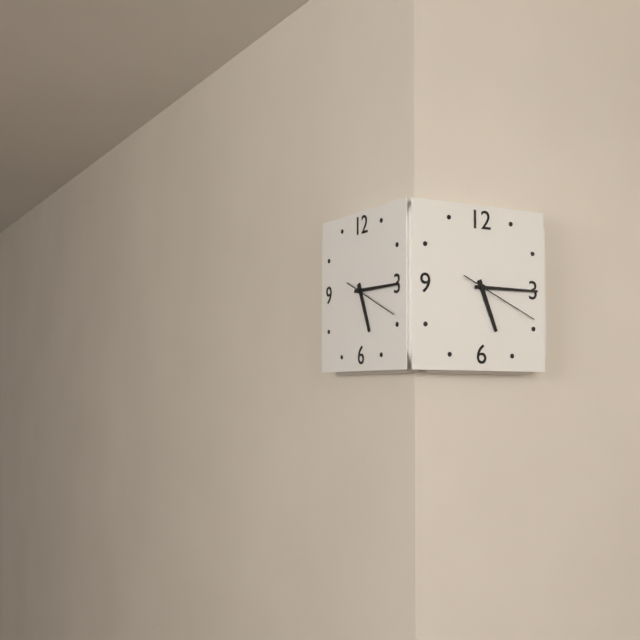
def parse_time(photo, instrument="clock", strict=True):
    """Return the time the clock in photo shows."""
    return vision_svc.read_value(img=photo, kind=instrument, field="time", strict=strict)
5:15
